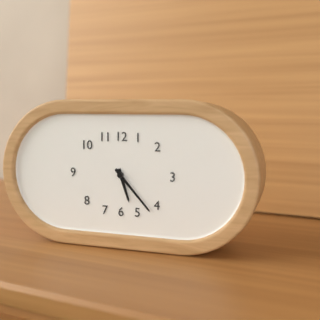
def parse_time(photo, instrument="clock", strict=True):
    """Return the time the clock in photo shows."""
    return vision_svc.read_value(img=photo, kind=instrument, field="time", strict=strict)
5:23
